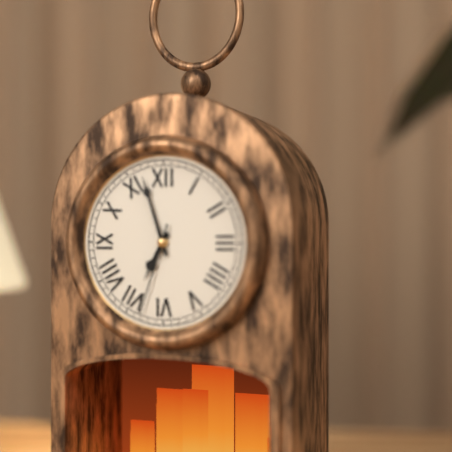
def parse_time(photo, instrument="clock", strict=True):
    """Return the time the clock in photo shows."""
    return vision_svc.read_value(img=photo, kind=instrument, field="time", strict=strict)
6:57:33
